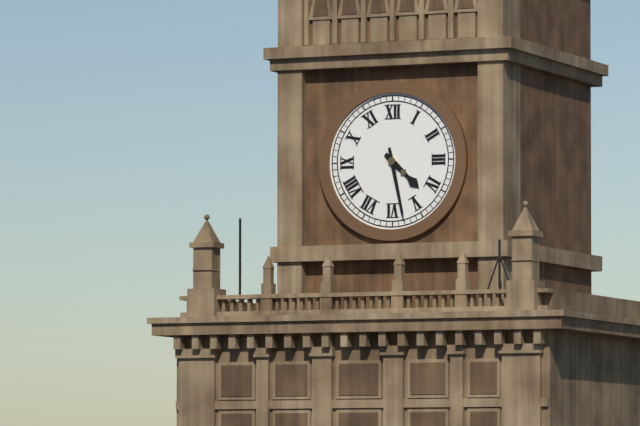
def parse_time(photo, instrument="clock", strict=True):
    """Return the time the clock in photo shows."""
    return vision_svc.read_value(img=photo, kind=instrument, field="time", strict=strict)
4:28
